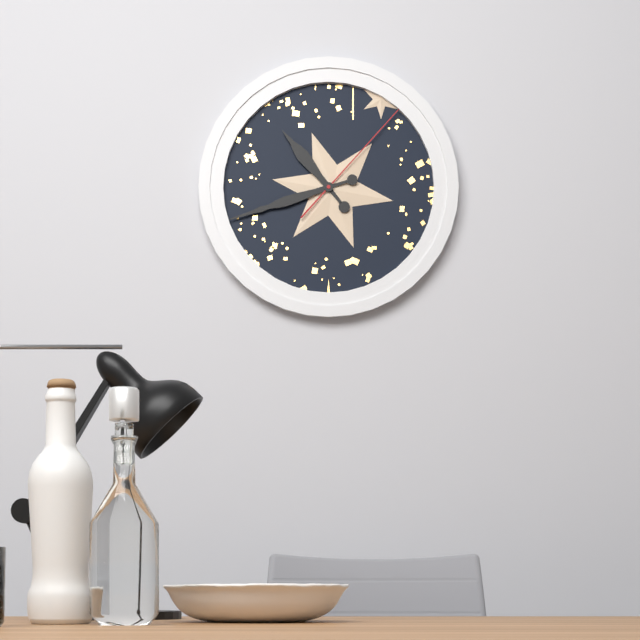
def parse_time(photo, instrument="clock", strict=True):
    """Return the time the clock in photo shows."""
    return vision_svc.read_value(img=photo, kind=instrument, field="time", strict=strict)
10:42:07
